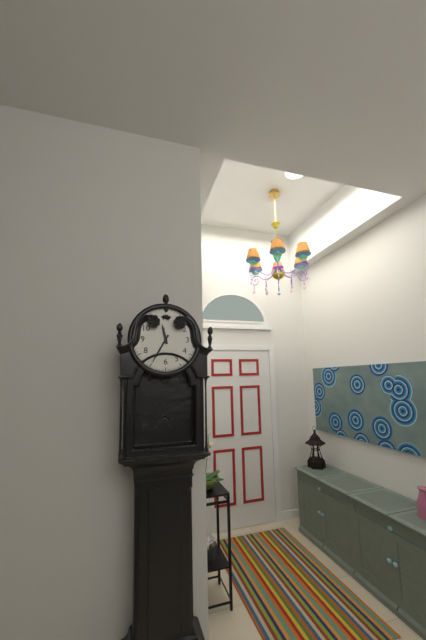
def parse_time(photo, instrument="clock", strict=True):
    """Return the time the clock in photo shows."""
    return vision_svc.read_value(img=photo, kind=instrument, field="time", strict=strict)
11:35
